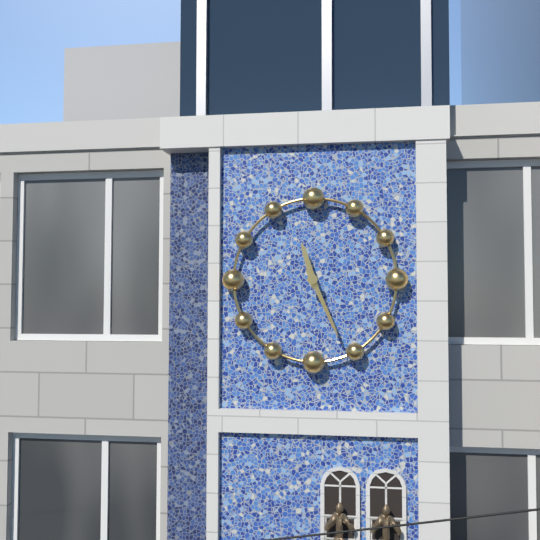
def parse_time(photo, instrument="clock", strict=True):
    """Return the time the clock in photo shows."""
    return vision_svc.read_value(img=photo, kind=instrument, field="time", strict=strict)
11:26
